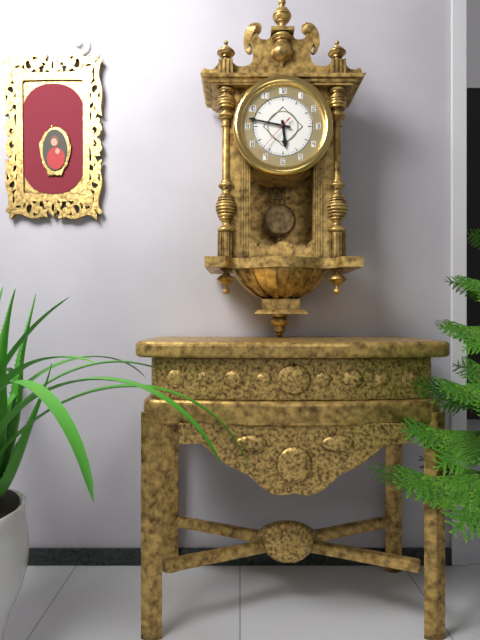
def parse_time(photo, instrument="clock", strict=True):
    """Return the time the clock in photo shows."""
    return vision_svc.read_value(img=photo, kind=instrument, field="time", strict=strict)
5:47
